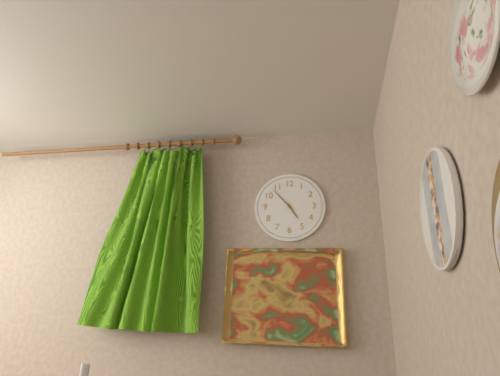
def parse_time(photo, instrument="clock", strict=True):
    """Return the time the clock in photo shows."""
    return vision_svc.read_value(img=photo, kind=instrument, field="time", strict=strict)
4:53
